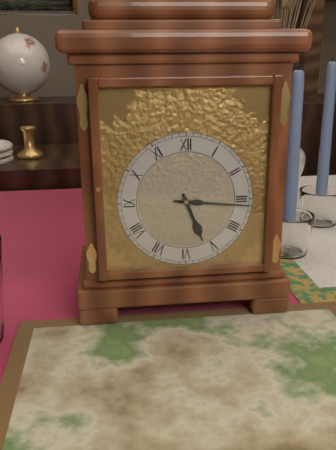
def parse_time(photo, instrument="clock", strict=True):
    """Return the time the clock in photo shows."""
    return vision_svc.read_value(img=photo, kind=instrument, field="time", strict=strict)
5:16
